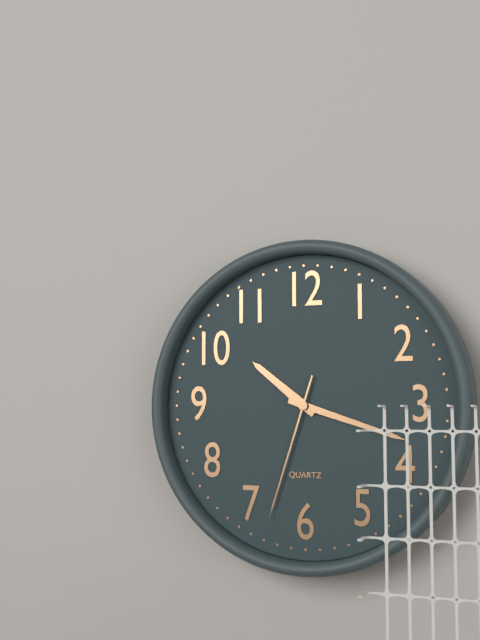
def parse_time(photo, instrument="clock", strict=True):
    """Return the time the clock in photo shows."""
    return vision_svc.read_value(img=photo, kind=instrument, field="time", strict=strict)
10:18:33
